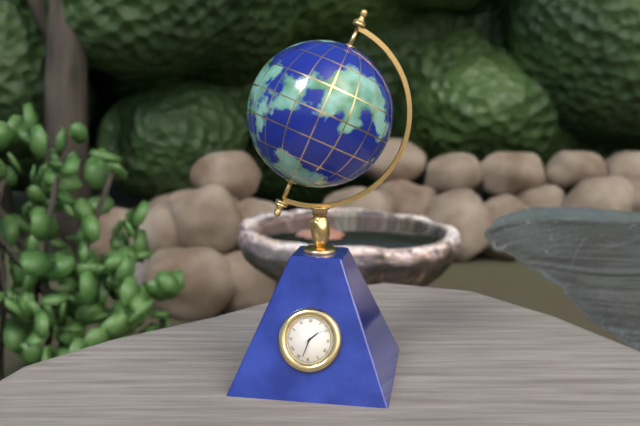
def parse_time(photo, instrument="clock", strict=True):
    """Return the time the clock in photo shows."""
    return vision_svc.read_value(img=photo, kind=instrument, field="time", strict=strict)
1:33
